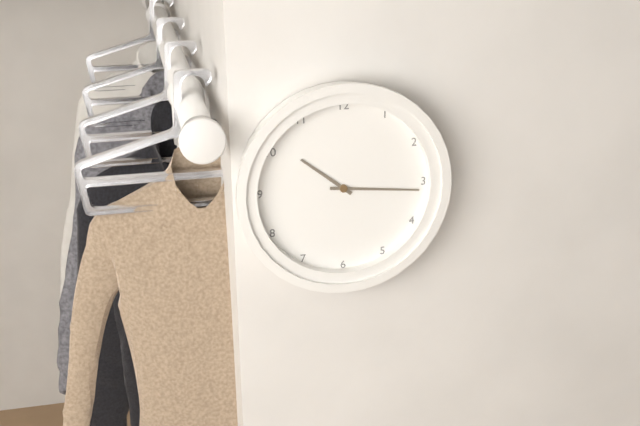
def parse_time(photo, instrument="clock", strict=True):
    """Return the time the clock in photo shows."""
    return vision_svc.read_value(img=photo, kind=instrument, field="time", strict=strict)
10:16
